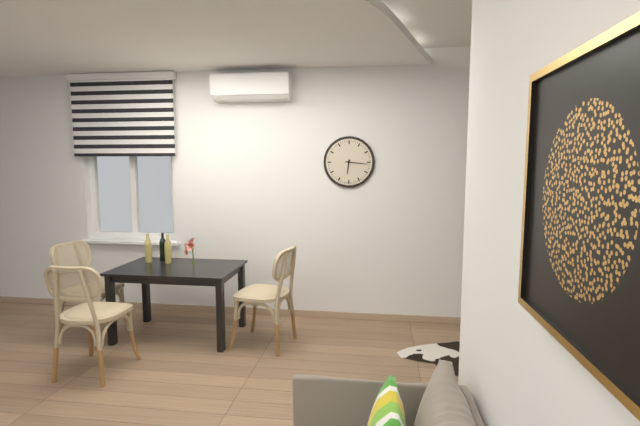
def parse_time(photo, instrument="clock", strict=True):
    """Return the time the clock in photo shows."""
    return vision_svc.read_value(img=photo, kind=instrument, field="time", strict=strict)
6:16
